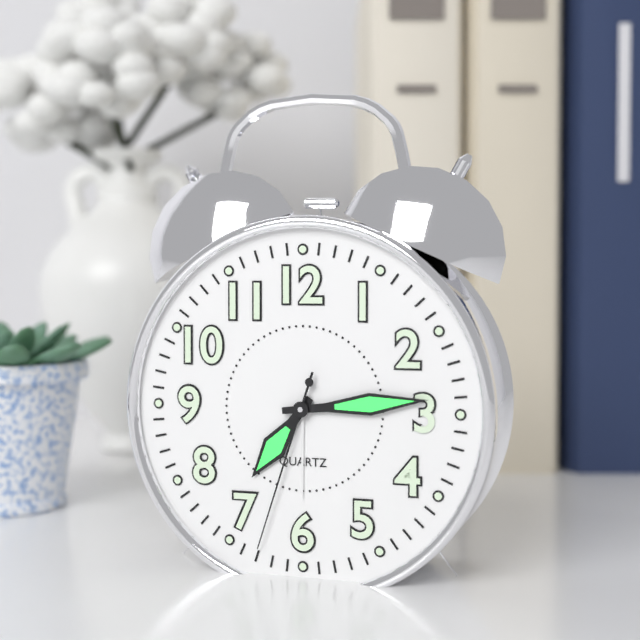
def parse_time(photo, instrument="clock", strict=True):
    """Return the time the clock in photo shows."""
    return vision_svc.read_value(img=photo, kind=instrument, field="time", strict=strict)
7:14:33
